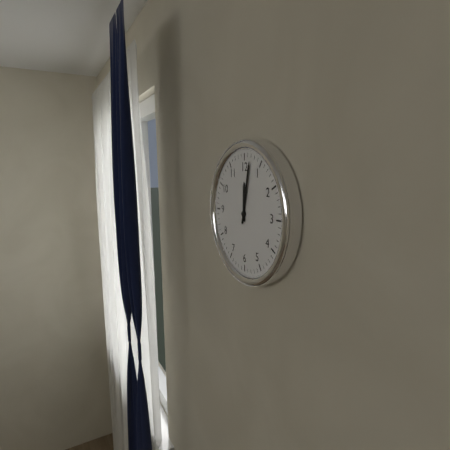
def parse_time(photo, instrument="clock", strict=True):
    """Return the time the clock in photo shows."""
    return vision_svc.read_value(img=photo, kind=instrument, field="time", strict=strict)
12:02
